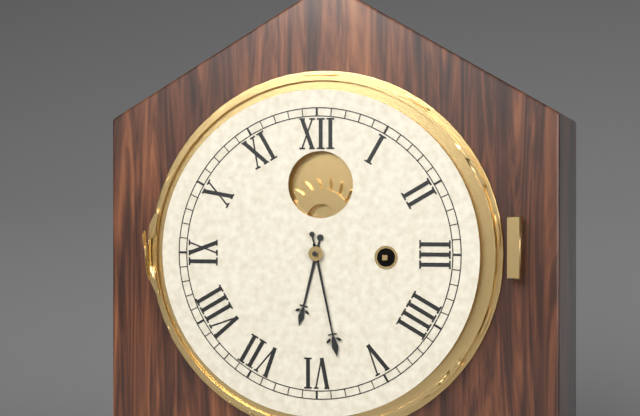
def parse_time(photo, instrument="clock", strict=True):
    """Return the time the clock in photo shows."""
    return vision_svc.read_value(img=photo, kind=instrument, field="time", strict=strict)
6:28
